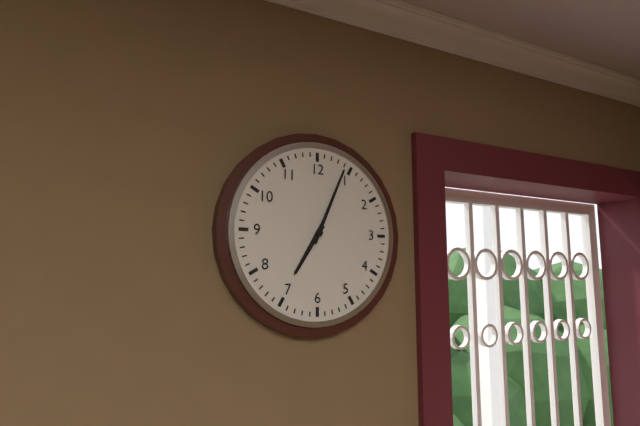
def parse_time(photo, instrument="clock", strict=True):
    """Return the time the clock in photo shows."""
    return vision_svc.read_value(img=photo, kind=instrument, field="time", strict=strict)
7:04
